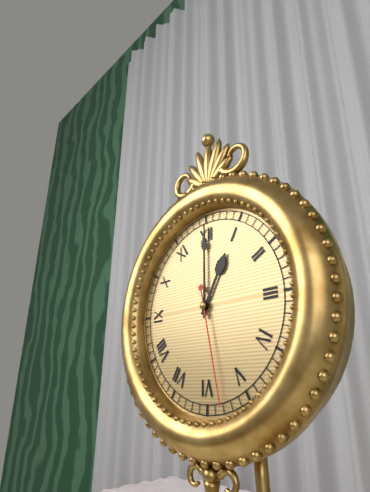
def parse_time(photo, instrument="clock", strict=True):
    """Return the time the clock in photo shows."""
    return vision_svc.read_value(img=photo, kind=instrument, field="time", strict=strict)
1:00:28
